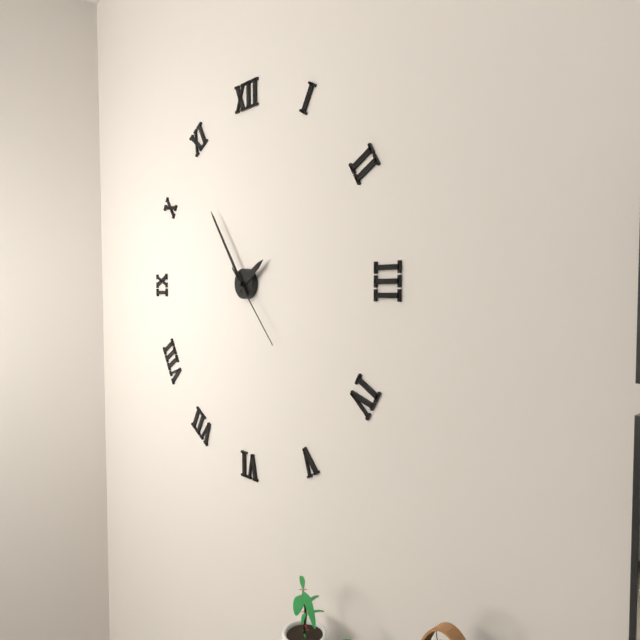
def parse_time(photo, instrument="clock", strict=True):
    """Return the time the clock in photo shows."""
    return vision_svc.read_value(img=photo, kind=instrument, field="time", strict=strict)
1:54:23
